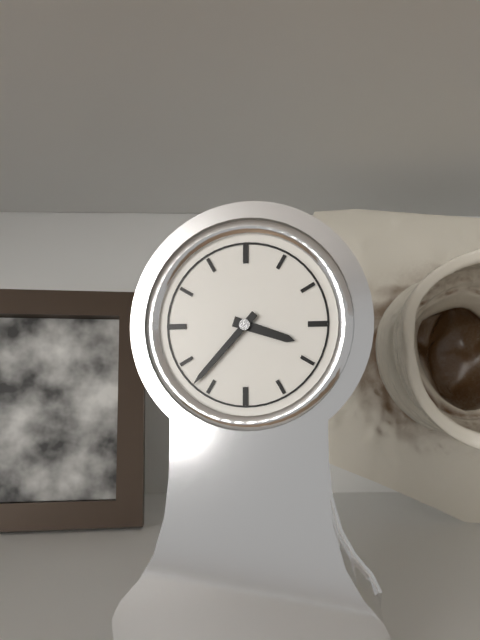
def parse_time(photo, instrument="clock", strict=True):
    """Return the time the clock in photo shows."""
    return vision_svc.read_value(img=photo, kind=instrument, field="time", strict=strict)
3:37
